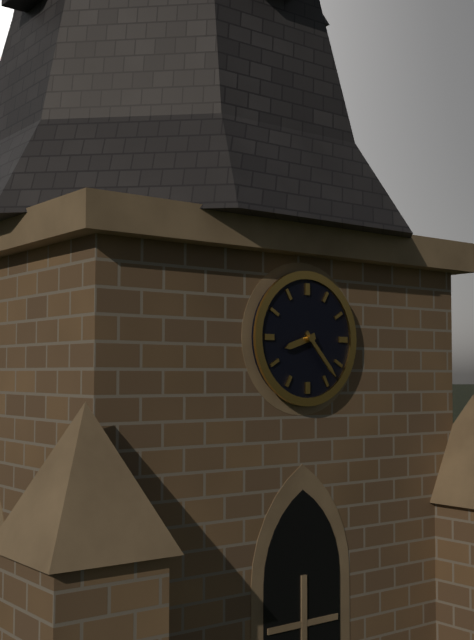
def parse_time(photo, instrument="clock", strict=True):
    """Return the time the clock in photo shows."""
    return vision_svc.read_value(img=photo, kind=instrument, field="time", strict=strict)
8:23
